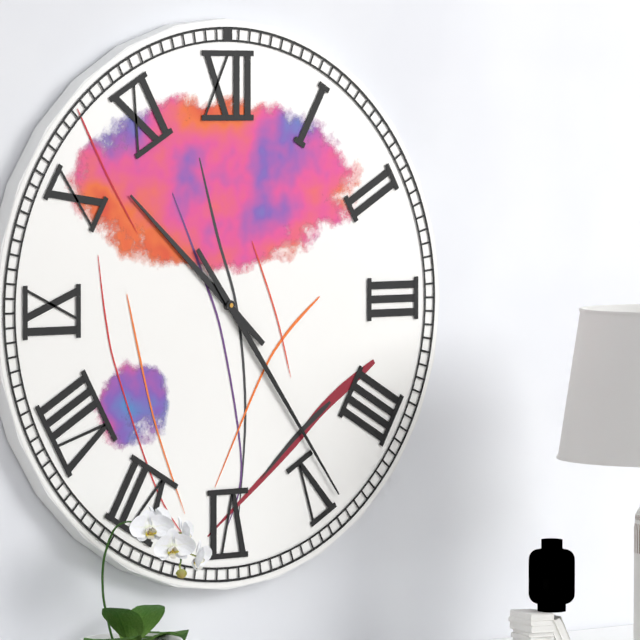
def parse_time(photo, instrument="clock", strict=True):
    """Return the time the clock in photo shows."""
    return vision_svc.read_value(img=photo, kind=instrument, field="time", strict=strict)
10:24
